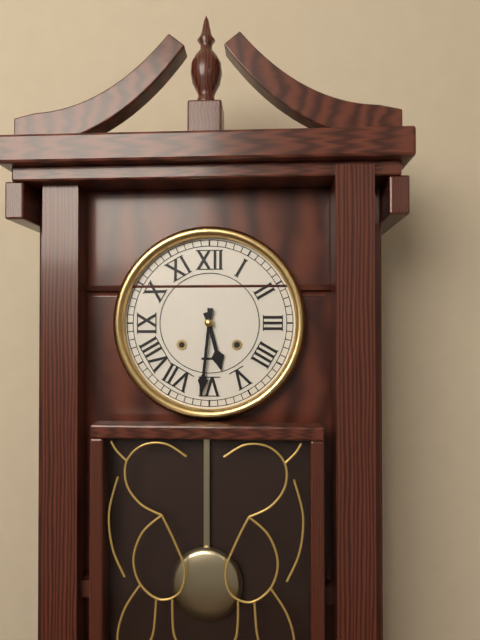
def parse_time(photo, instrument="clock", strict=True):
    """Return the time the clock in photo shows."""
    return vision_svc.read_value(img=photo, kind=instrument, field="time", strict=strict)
5:31
